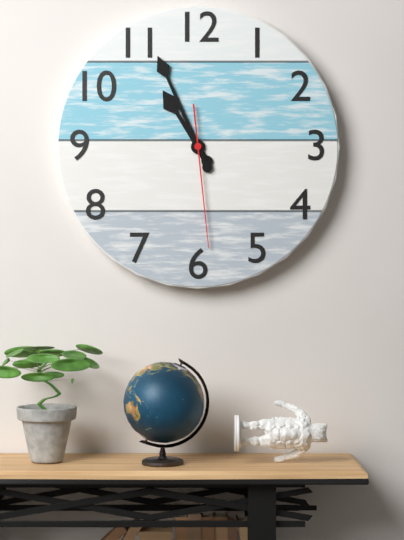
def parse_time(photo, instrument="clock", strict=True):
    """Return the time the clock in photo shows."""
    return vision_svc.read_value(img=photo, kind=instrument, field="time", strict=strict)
10:56:29
